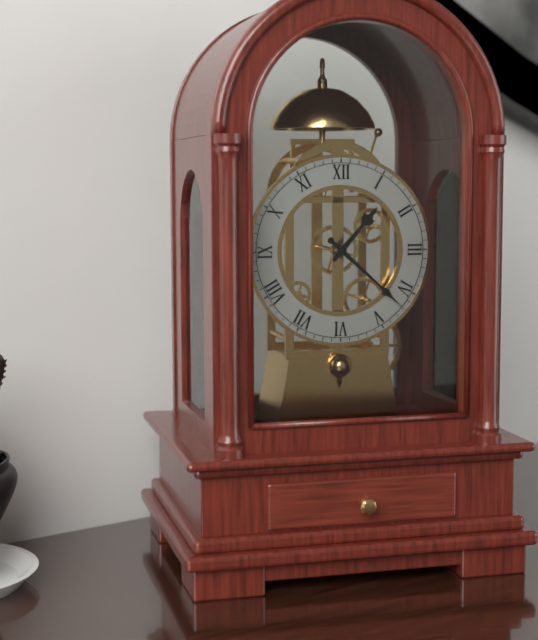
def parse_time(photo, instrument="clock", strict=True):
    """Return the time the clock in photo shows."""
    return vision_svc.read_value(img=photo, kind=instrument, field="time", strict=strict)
1:22
